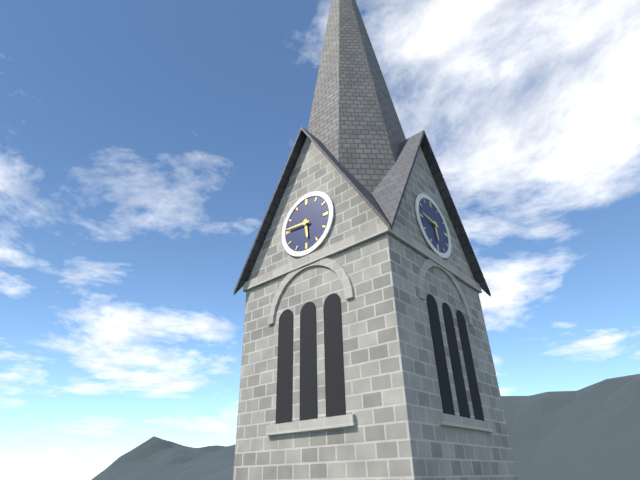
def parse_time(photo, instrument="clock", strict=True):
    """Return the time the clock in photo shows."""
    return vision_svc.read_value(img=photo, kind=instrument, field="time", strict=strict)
5:46
